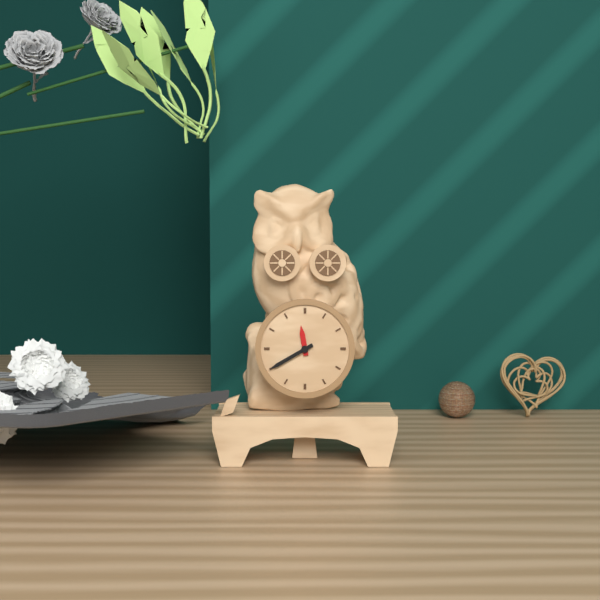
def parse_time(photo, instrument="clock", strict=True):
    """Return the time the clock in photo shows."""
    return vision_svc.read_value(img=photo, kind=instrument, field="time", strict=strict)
11:40
